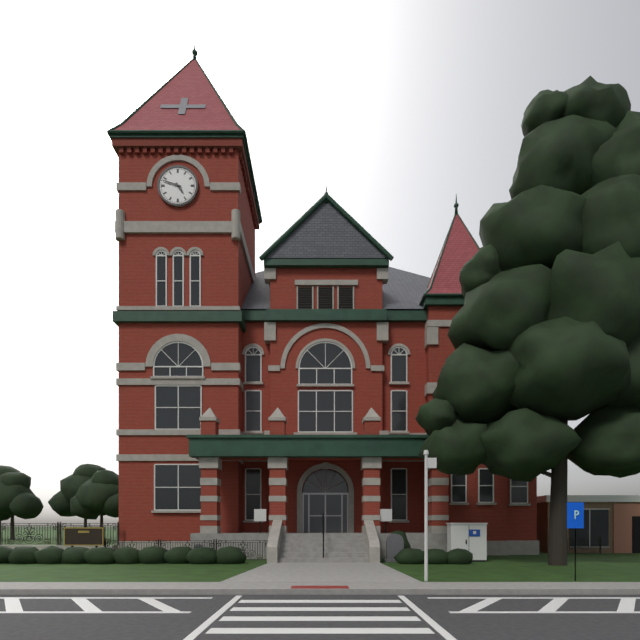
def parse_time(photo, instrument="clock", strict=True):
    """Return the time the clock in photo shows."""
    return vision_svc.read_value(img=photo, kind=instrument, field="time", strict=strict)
4:48
